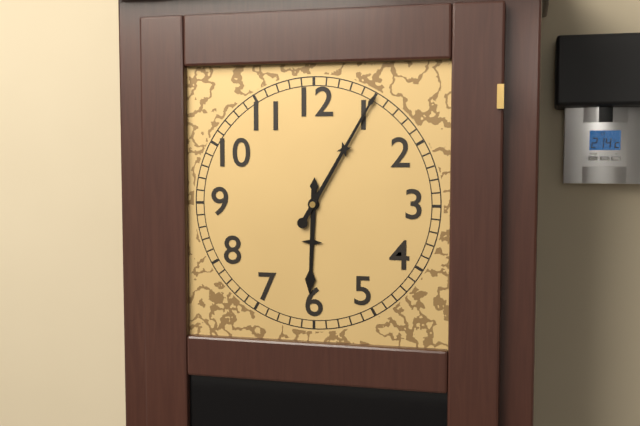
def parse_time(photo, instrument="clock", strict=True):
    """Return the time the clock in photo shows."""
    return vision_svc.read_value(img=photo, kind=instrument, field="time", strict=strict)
6:05
